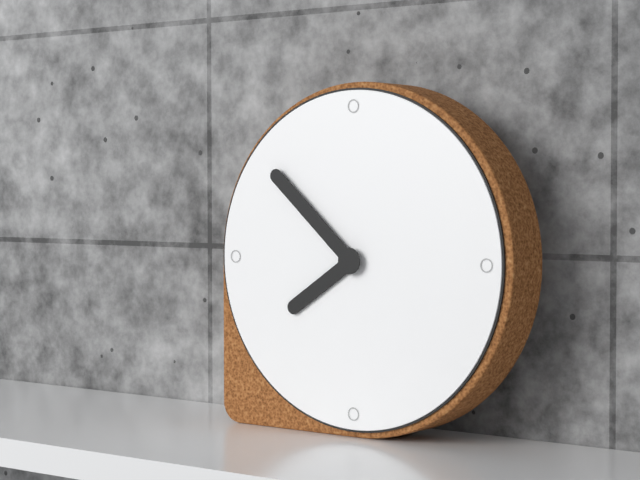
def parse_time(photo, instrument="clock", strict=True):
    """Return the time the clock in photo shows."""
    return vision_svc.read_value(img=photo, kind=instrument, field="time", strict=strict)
7:52
